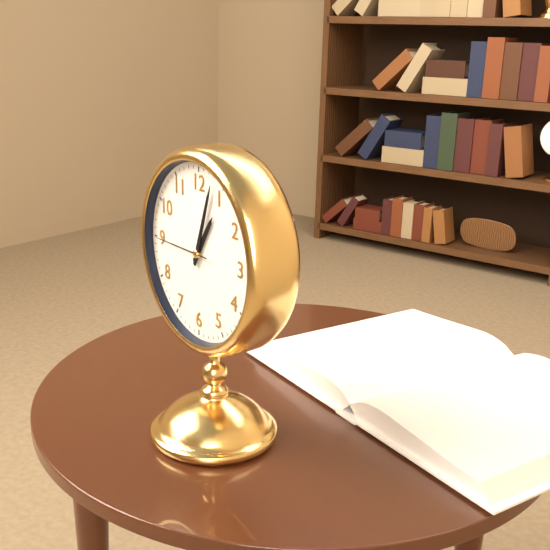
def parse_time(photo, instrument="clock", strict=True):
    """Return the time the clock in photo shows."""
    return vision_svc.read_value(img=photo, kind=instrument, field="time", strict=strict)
1:03:45
